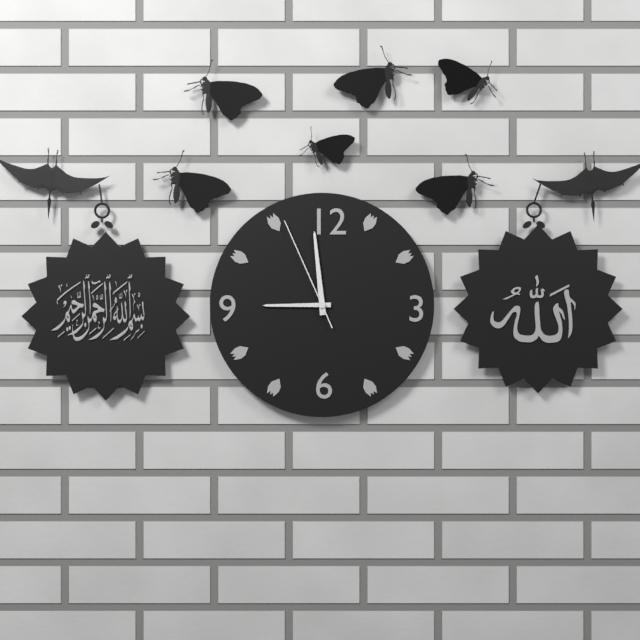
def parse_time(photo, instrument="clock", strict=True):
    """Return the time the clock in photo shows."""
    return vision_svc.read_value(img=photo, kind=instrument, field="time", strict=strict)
8:59:56
